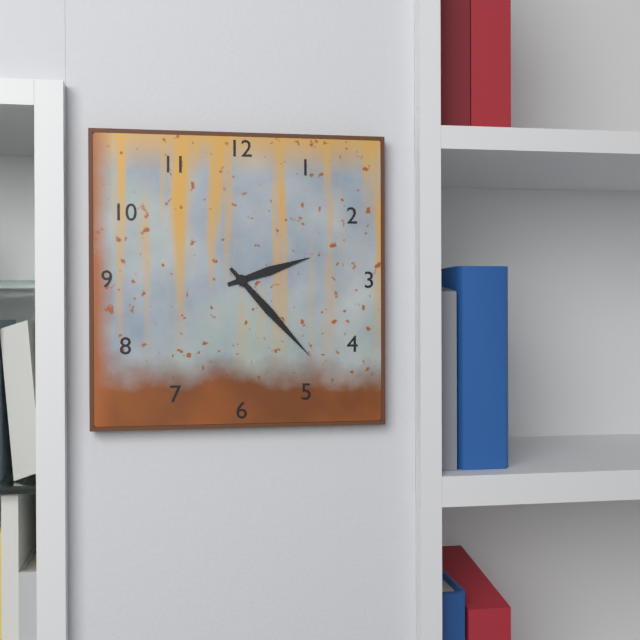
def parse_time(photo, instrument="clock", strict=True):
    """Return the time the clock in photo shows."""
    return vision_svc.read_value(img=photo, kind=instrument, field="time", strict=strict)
2:23
